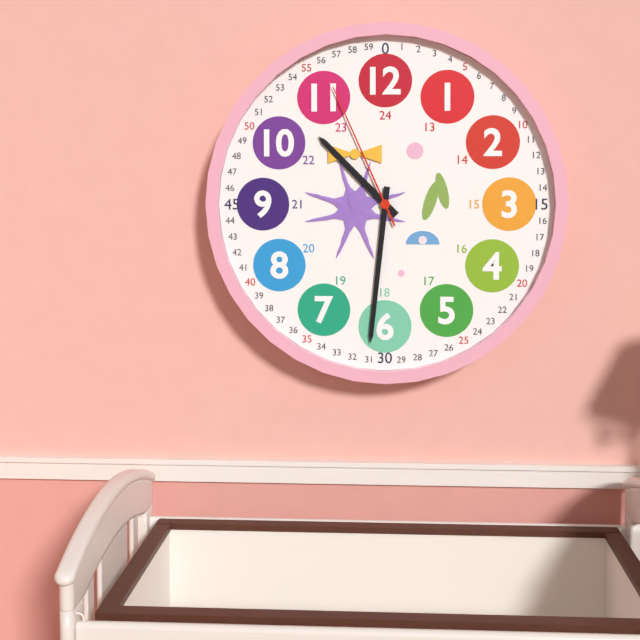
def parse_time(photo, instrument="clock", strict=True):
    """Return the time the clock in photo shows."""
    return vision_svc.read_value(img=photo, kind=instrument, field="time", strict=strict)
10:31:56
